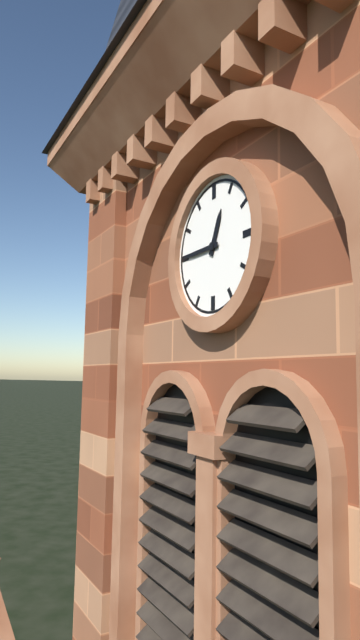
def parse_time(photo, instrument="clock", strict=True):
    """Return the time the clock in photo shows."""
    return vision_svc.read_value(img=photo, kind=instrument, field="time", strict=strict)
12:45
